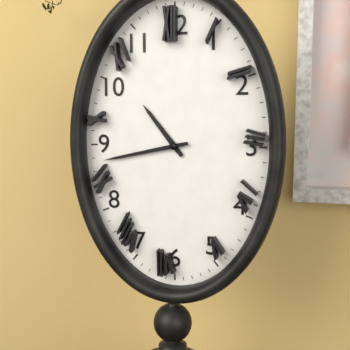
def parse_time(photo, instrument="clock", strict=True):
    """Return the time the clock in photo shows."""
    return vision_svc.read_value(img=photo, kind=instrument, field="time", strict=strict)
10:43
